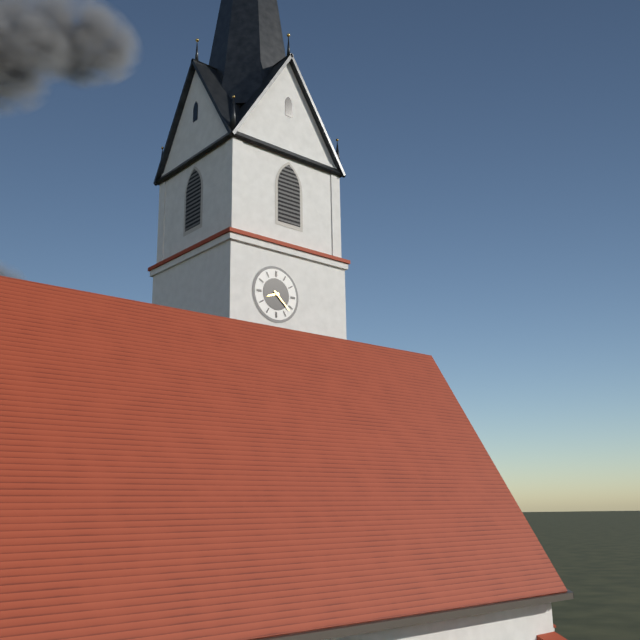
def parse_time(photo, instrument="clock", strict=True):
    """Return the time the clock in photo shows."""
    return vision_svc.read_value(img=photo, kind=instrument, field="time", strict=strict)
8:22
